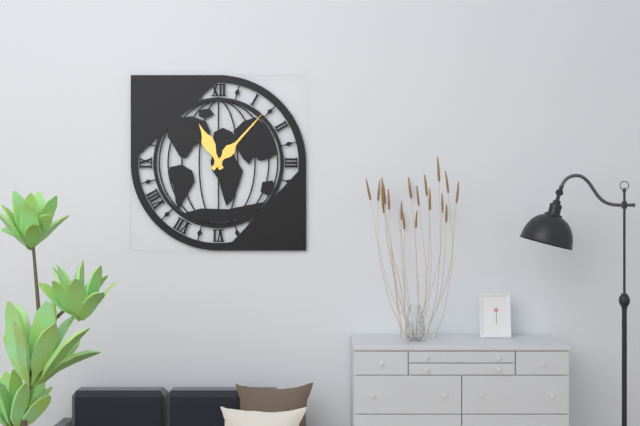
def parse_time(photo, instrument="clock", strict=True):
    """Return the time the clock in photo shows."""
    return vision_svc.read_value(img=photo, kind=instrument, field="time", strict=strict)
11:07
